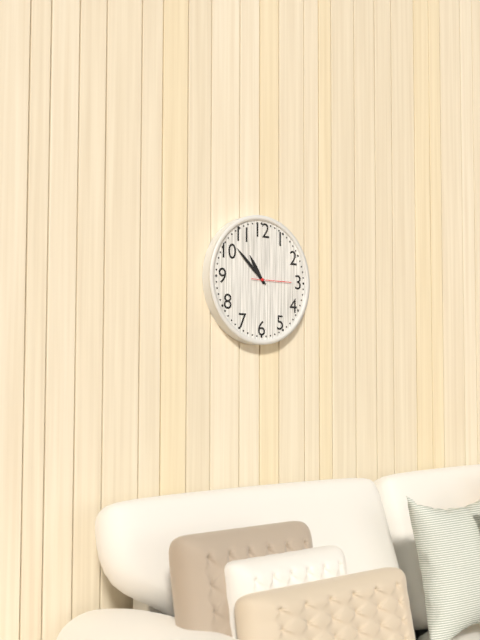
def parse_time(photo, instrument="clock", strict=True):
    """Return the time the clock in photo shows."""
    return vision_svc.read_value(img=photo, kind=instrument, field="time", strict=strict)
10:52
